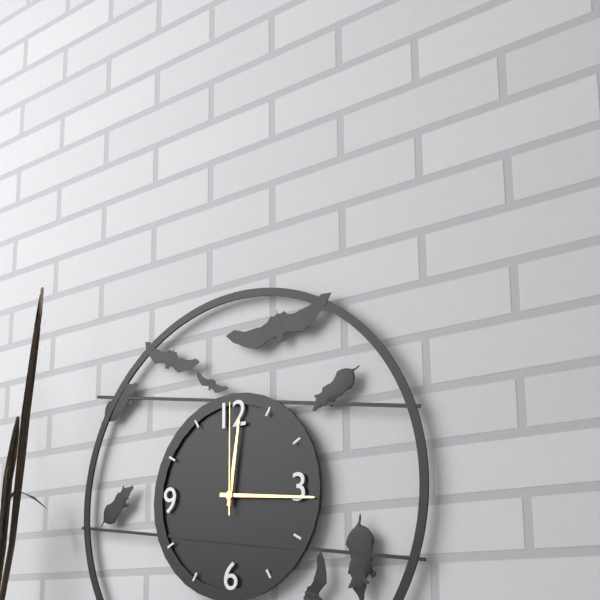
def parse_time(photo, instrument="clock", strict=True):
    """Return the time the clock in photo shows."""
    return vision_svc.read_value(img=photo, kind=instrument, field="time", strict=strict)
12:16:00
